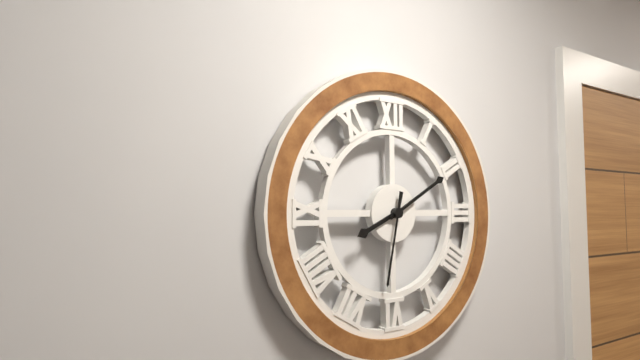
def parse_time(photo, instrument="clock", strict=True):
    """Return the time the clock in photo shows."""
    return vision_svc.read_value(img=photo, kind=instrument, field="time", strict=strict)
8:10:32
